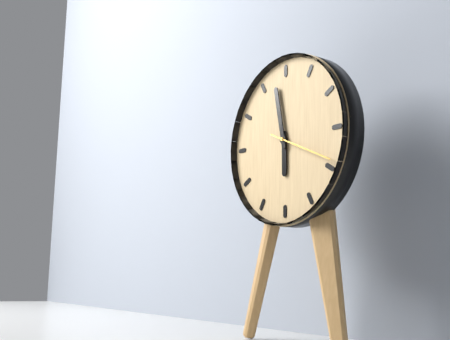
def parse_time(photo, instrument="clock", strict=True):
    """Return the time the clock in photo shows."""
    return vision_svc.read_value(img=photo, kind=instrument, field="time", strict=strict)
5:58:19
